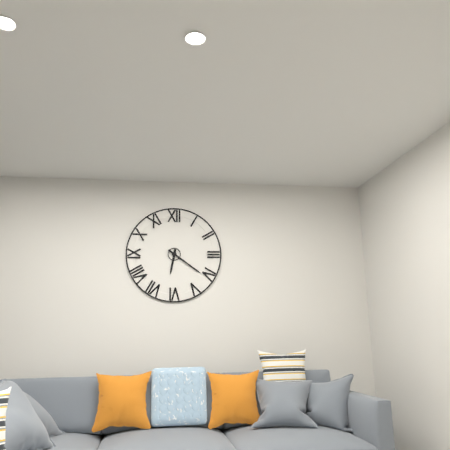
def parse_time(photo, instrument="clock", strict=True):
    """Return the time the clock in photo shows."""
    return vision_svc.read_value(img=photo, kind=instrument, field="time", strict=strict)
6:21
